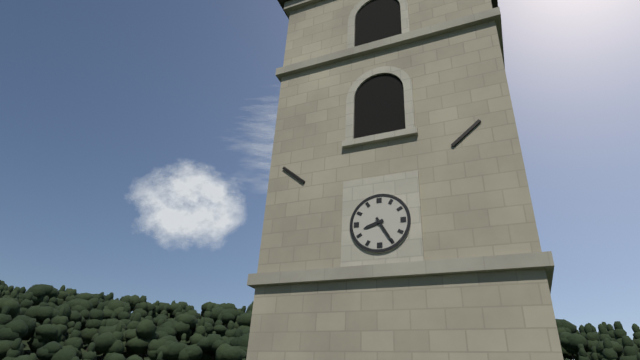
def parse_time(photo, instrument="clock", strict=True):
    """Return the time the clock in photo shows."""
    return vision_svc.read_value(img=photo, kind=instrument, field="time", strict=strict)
8:25
